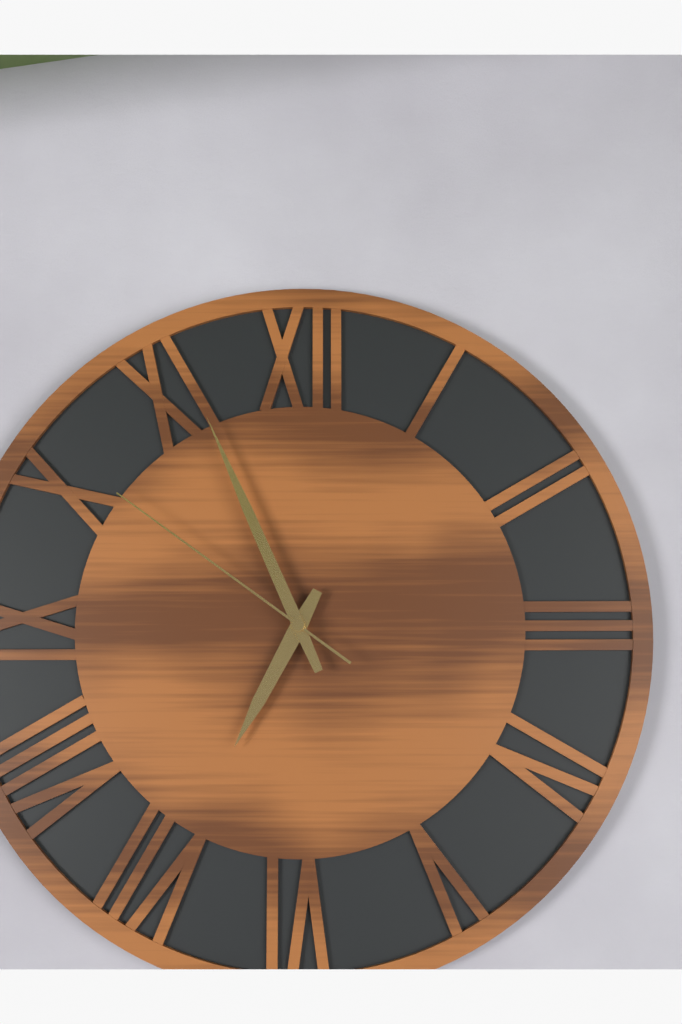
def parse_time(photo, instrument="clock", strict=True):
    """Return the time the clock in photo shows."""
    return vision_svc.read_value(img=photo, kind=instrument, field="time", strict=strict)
6:56:51
